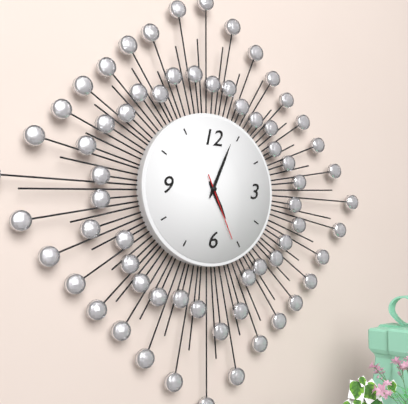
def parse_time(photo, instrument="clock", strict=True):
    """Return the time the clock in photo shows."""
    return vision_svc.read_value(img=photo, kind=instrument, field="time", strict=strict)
5:04:26
